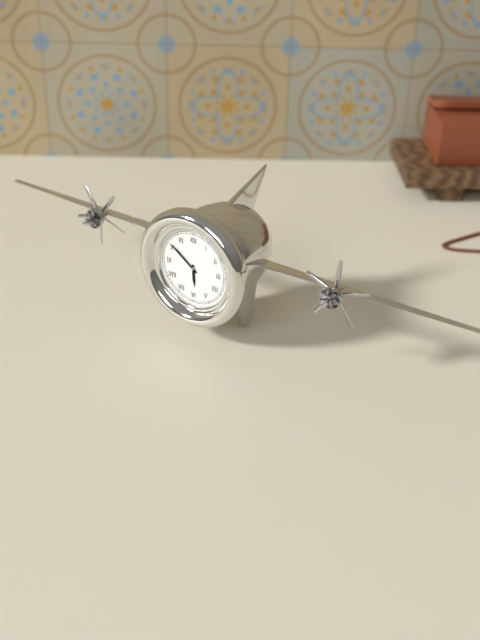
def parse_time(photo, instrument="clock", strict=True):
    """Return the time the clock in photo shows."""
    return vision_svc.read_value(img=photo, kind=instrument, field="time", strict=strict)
5:51
